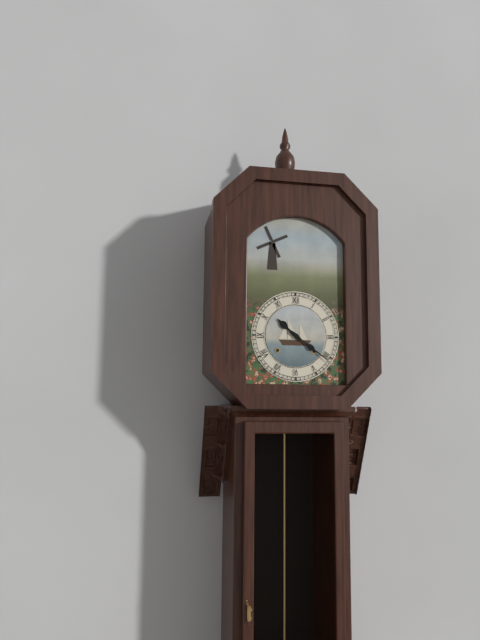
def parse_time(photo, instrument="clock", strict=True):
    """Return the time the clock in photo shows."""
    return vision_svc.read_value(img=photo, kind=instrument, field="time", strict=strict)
10:21
